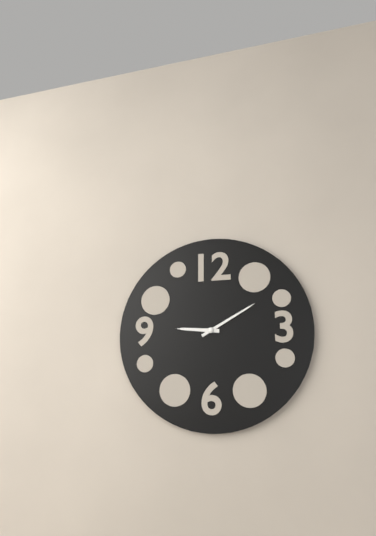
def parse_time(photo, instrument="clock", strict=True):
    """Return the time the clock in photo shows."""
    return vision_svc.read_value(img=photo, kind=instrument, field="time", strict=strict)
9:10
